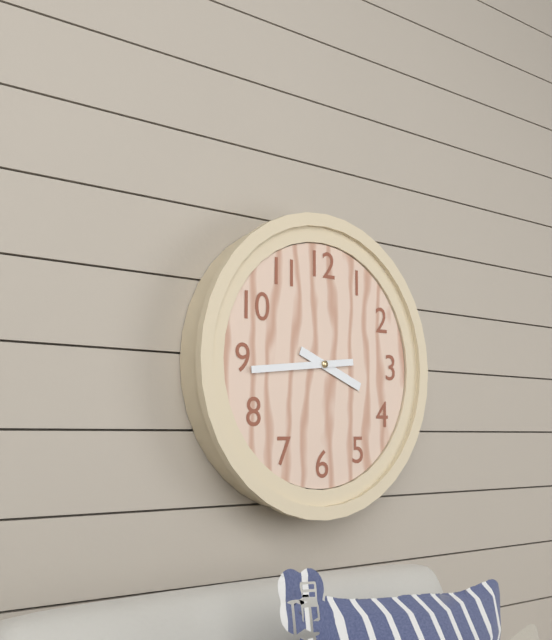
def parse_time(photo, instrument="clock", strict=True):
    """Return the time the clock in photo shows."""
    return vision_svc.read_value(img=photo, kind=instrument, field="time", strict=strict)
3:44
